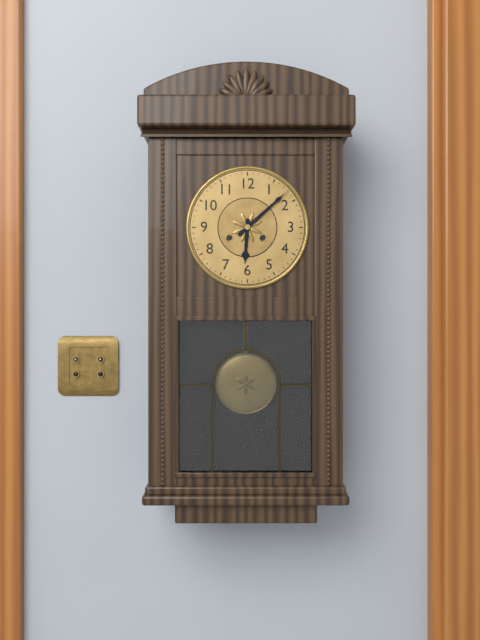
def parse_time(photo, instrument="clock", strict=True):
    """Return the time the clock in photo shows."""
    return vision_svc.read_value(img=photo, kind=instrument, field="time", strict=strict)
6:08
